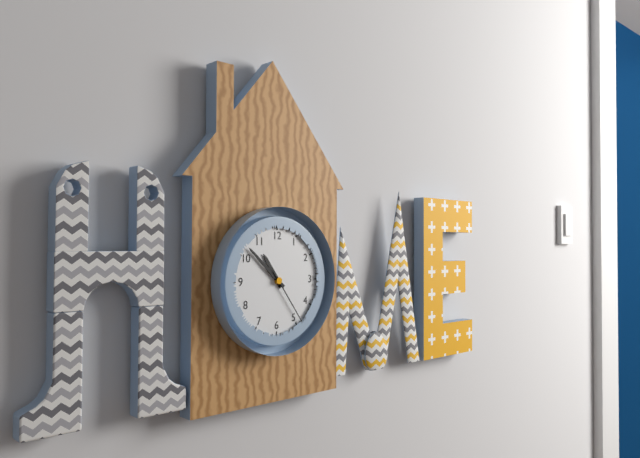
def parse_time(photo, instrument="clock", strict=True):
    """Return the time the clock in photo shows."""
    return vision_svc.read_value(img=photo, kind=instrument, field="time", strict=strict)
10:52:24
